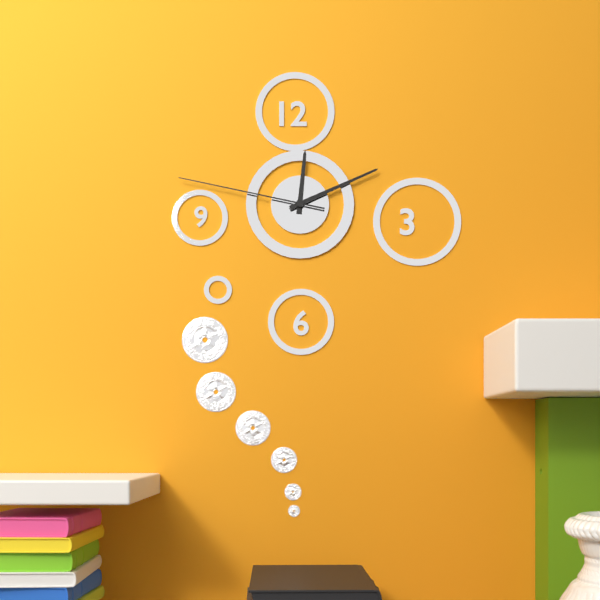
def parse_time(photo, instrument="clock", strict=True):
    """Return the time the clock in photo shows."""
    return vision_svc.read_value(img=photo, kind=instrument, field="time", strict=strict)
12:11:47
